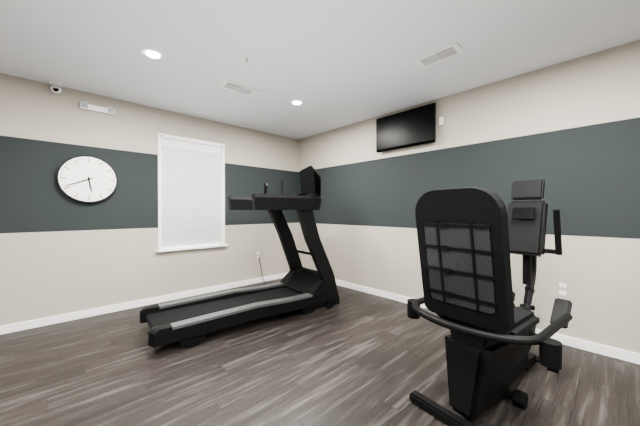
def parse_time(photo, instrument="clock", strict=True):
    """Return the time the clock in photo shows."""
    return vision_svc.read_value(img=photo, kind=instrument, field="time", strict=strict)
5:41
